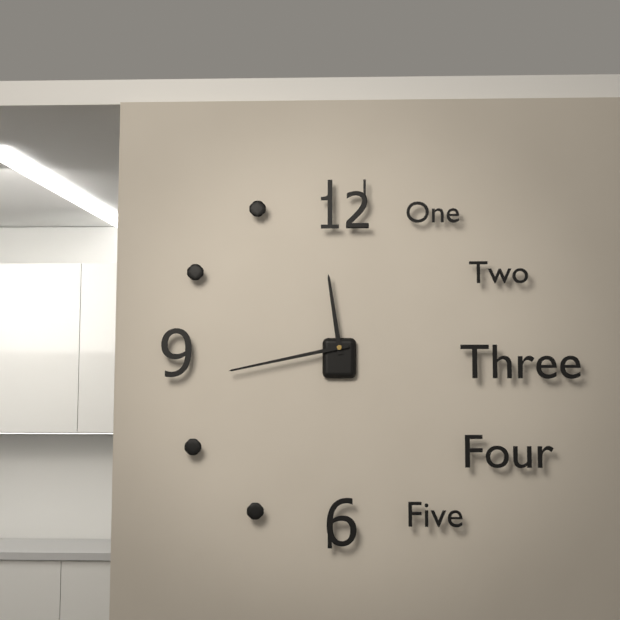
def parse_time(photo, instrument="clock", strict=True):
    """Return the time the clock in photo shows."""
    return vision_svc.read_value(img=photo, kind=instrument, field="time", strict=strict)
11:43
